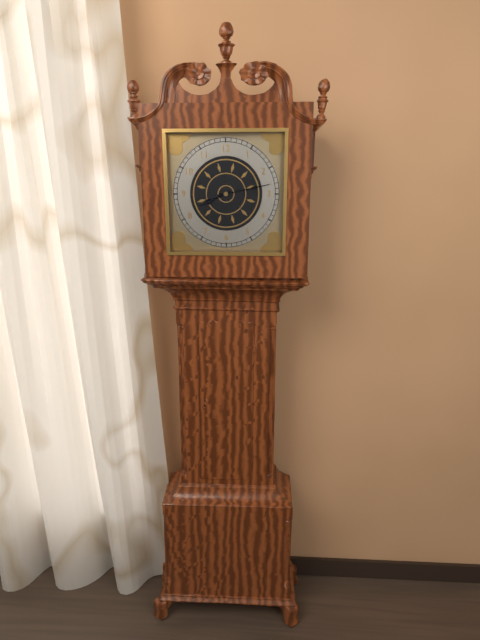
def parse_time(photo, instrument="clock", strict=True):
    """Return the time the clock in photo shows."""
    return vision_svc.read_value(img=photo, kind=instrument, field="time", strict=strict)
8:13
